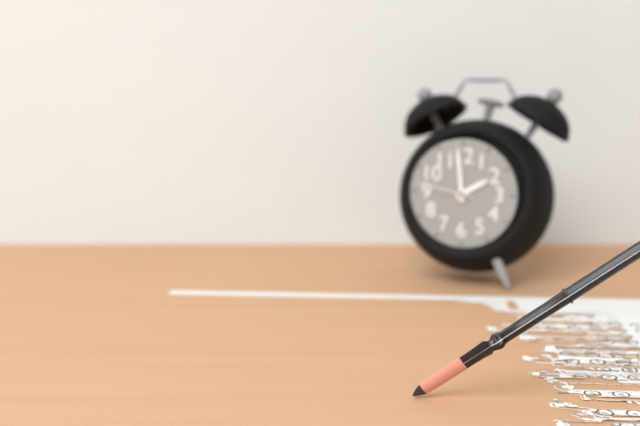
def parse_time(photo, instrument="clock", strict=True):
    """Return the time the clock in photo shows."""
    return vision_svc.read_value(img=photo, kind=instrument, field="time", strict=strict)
1:59:47
